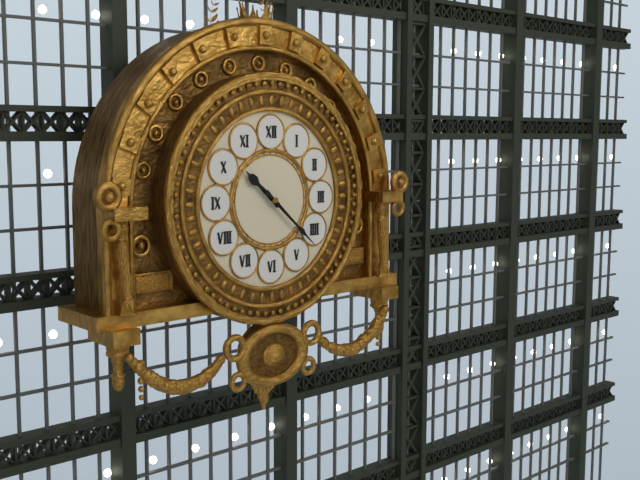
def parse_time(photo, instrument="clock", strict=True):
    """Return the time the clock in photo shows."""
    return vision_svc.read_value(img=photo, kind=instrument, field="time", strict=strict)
10:22
